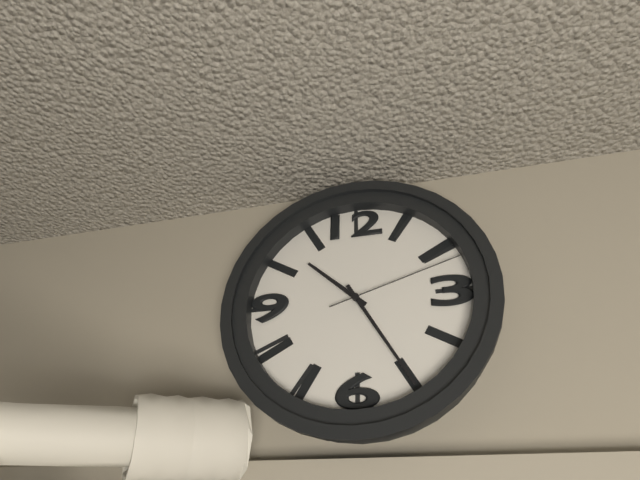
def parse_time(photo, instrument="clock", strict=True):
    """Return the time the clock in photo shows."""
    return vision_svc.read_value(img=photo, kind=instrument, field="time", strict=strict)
10:25:12
